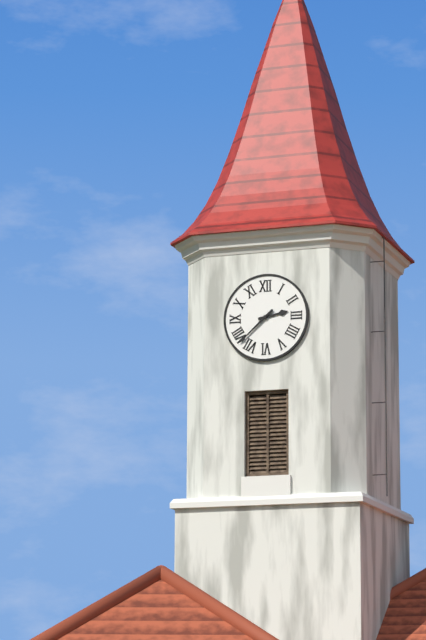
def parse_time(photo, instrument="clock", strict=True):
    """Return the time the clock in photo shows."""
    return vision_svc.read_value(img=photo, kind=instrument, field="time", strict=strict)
2:38
